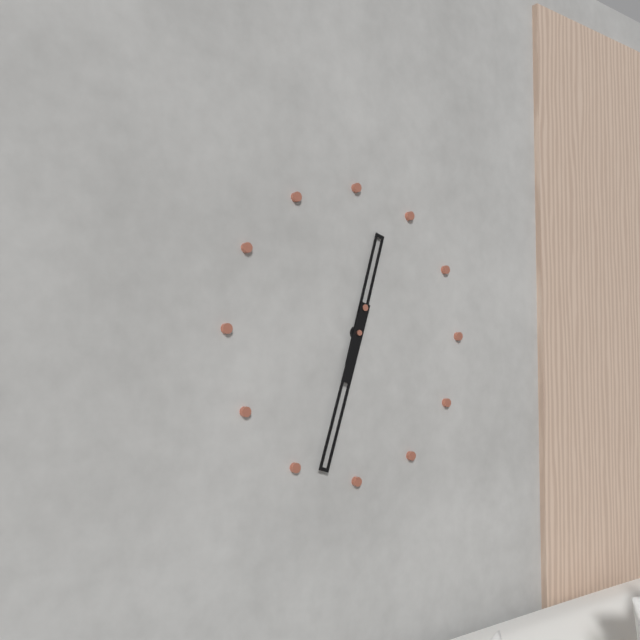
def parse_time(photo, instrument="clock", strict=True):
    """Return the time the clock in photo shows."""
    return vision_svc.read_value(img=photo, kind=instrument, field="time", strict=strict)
12:33
